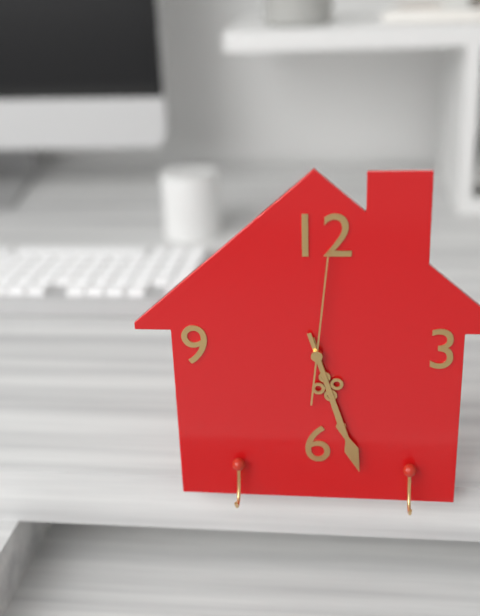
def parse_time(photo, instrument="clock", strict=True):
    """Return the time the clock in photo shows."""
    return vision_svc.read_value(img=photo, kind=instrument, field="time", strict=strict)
5:27:01
